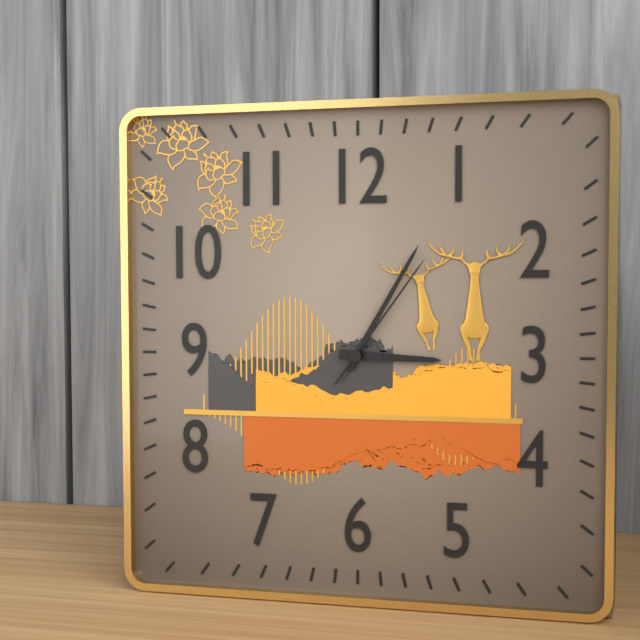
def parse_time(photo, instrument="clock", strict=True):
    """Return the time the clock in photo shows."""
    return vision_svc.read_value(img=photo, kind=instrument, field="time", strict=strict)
3:05:06
